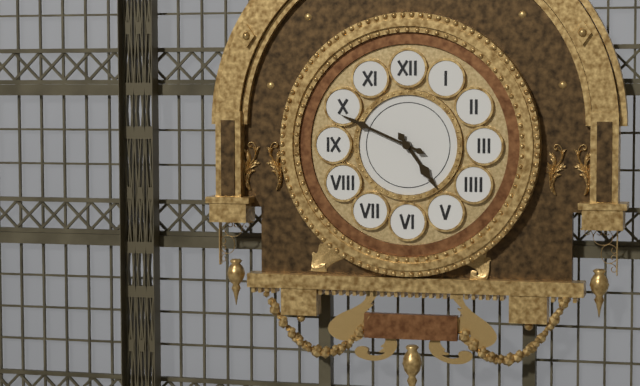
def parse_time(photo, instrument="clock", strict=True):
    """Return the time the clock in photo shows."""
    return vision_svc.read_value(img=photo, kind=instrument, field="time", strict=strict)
4:49
